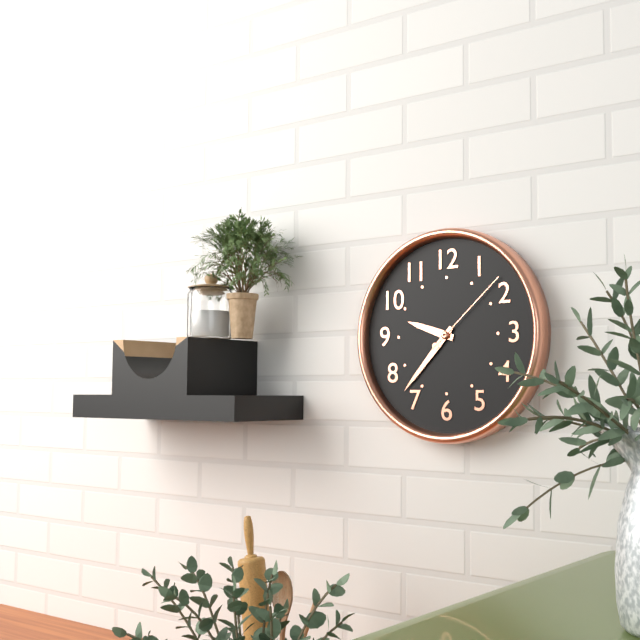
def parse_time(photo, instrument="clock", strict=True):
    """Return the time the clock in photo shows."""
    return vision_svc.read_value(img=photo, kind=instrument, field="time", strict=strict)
9:37:08
